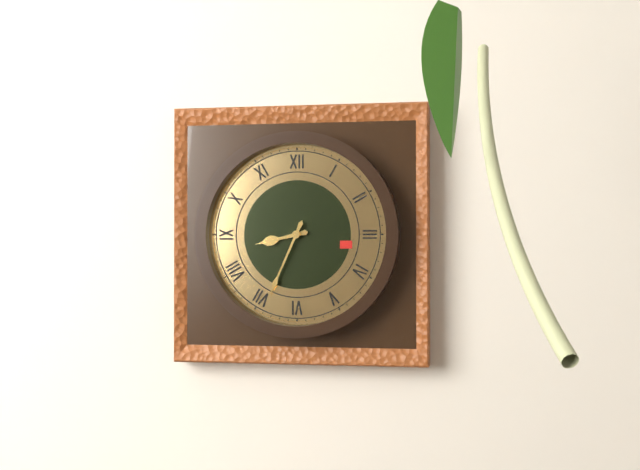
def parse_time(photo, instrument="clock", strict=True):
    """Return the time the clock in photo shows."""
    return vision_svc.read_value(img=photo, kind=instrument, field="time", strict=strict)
8:34
